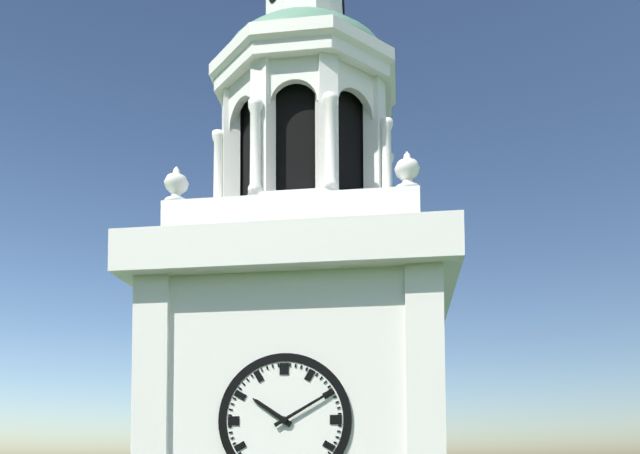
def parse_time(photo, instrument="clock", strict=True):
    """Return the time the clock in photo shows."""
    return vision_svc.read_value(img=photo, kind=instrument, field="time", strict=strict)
10:10
